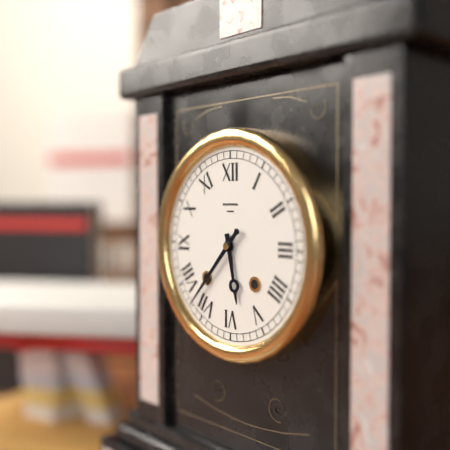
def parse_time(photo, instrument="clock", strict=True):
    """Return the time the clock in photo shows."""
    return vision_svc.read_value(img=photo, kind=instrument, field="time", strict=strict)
5:37
